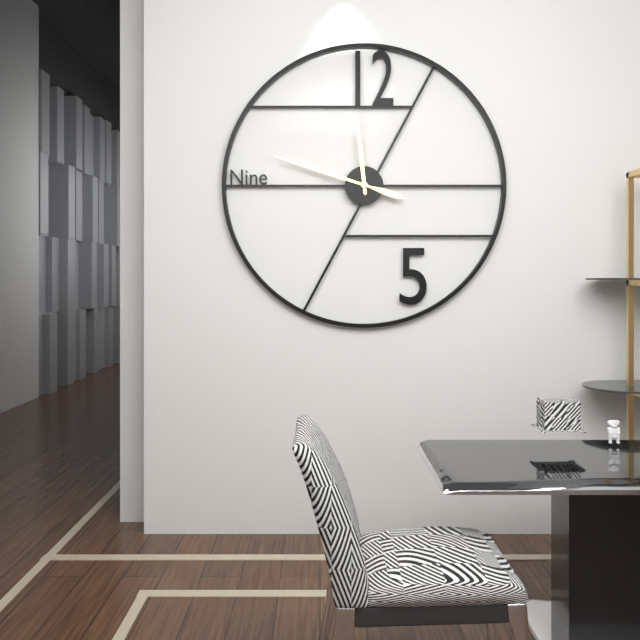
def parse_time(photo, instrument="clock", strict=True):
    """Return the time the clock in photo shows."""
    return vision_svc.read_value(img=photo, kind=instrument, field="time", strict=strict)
11:48
